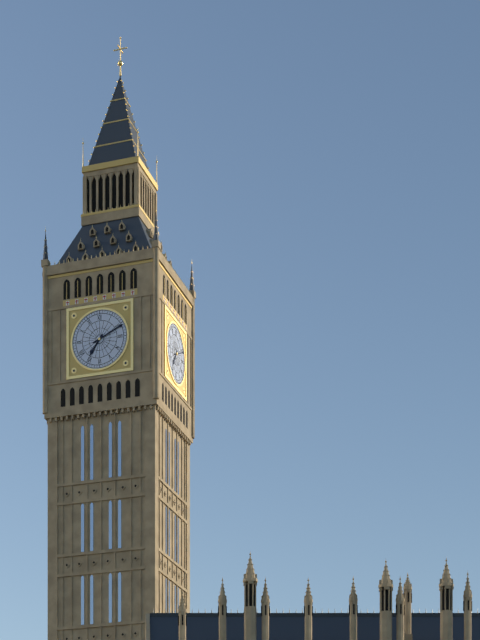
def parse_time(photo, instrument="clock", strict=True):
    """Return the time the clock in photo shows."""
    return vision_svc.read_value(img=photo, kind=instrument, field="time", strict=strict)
7:11
